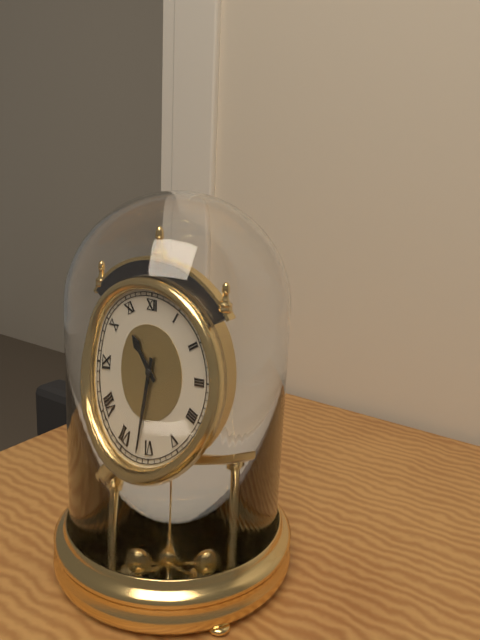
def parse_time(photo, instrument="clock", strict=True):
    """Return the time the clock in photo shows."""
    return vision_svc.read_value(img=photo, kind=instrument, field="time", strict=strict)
10:32
